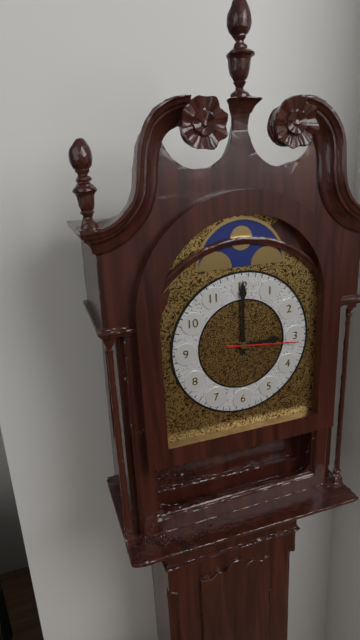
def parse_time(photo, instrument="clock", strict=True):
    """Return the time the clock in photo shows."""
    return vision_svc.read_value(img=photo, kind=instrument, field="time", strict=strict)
3:00:16
